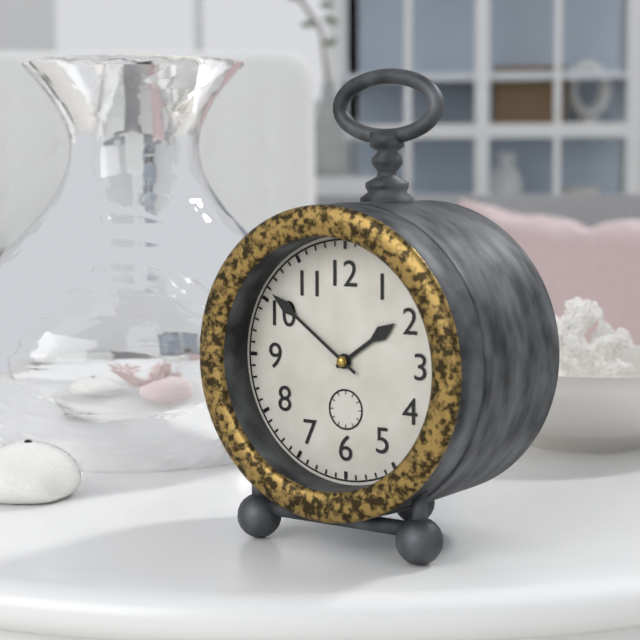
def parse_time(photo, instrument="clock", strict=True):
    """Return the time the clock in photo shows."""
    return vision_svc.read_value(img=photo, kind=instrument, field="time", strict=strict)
1:51
